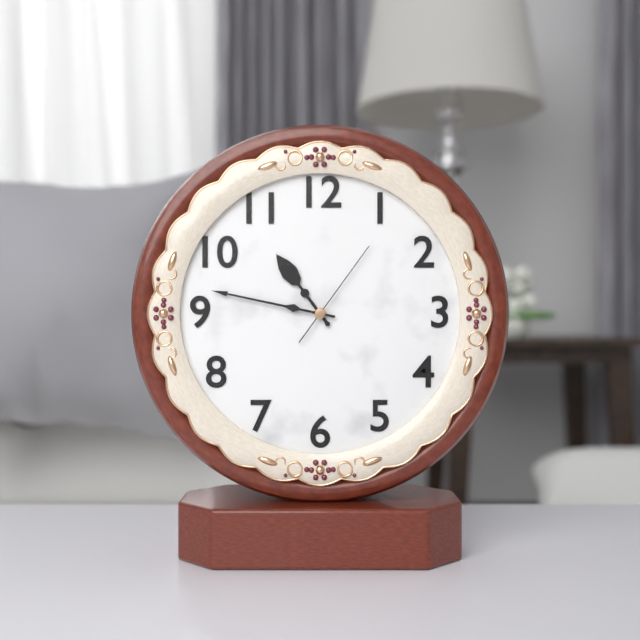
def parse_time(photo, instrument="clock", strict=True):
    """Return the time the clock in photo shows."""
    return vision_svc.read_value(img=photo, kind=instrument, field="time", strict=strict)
10:47:06
